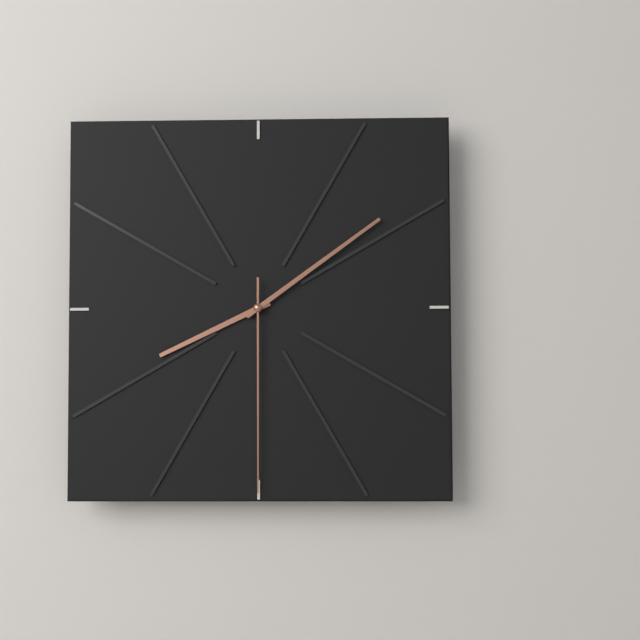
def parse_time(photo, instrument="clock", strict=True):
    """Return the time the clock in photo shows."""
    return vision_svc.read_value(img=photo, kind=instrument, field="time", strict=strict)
8:09:30
